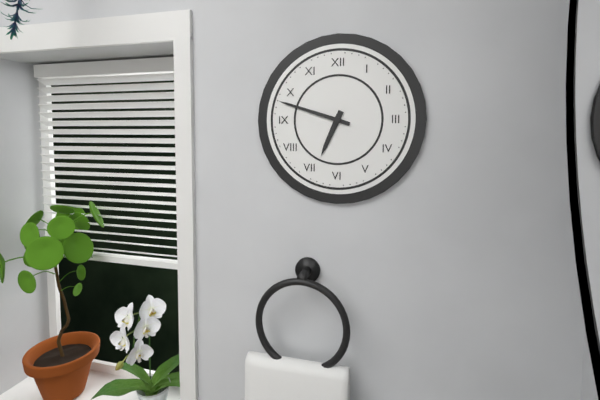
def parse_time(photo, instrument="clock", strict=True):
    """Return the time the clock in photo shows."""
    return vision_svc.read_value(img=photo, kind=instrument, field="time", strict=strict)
6:48
